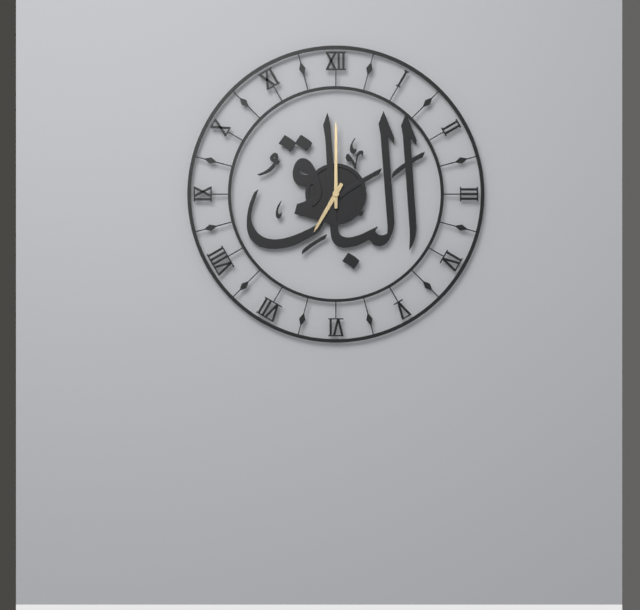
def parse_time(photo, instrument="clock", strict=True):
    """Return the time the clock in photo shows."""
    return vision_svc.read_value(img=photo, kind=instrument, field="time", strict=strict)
7:00
